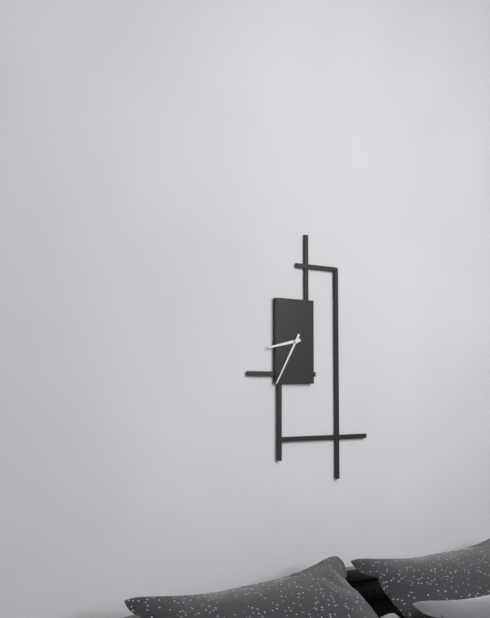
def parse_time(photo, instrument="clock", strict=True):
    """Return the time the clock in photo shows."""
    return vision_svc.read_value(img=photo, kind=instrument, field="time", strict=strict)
8:35
